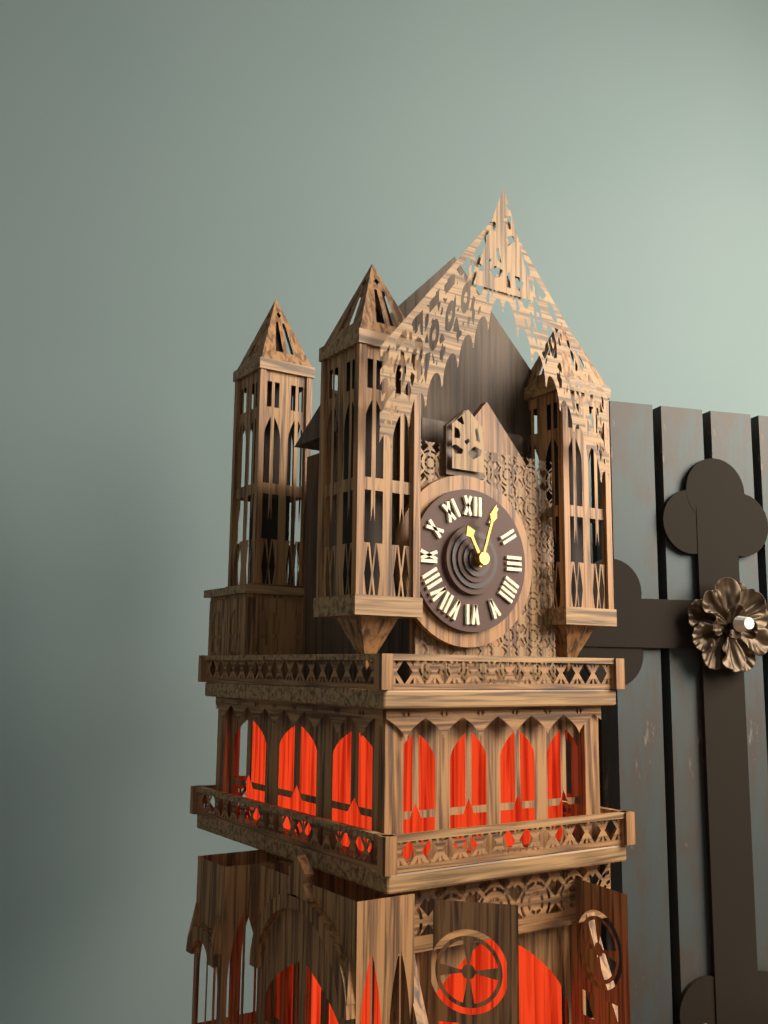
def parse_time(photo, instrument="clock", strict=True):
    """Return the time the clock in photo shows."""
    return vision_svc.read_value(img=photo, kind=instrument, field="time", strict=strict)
11:03
